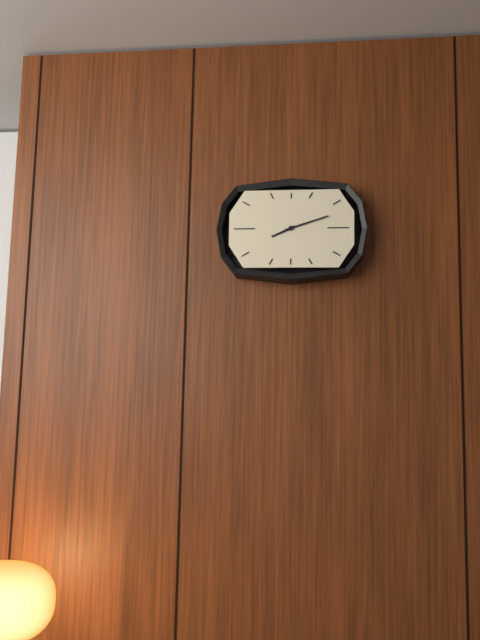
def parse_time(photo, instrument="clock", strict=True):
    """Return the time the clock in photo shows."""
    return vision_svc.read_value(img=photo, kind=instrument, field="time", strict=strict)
8:12
